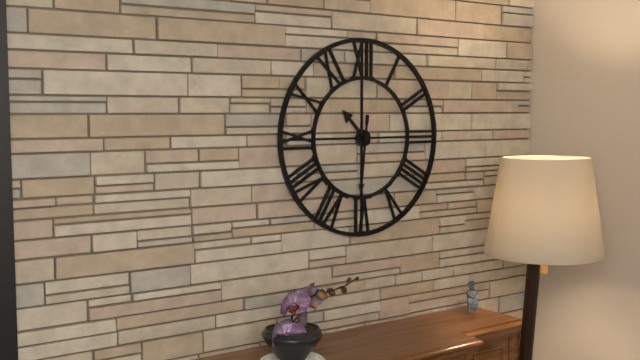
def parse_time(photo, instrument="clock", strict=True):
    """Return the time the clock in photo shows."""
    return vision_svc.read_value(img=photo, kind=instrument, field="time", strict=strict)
10:31
